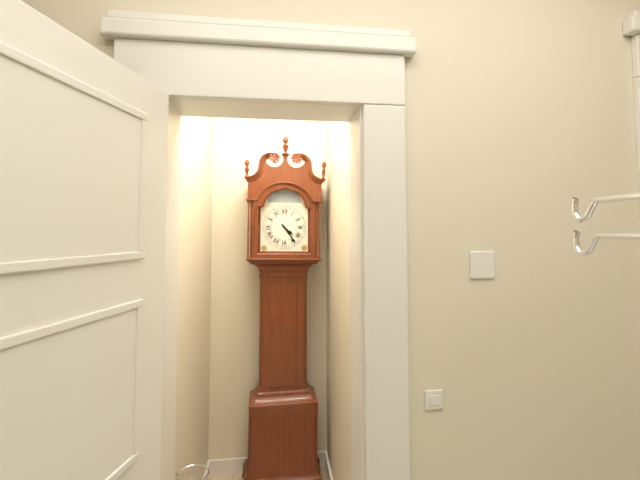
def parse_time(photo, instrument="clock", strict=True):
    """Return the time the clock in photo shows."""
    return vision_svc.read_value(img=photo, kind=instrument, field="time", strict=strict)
4:24
